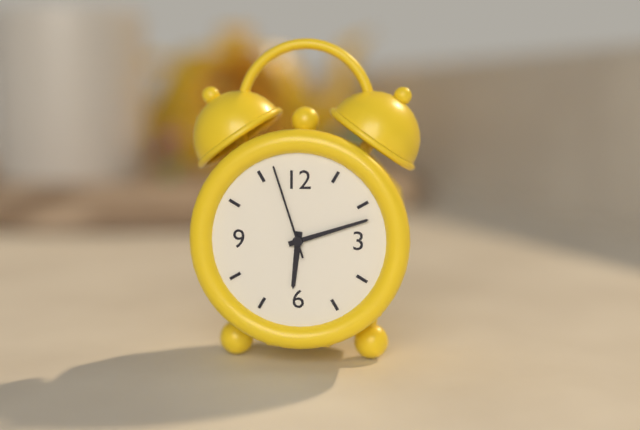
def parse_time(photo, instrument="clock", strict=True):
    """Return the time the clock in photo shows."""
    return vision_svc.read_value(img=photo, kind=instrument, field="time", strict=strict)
6:12:57
